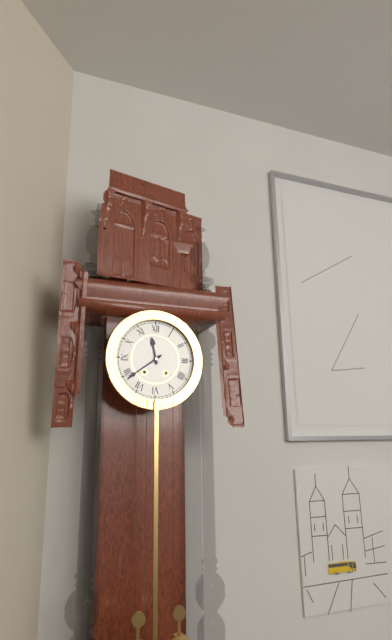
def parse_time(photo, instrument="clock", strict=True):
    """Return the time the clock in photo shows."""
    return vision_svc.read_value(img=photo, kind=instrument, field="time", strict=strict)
11:39
